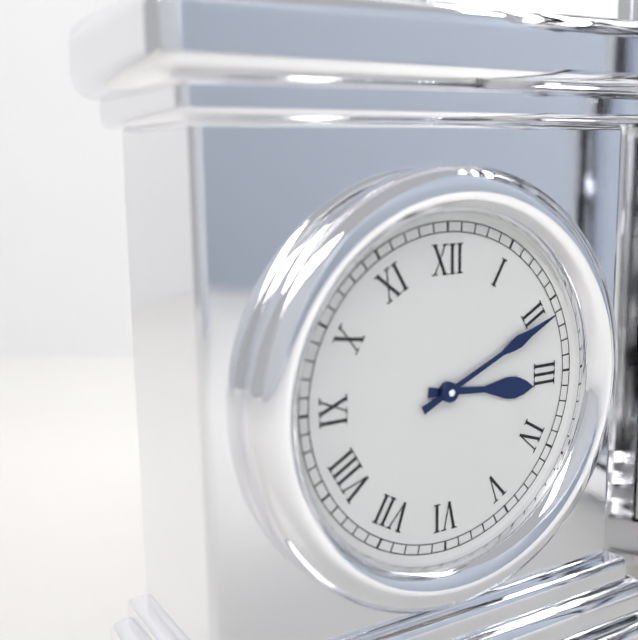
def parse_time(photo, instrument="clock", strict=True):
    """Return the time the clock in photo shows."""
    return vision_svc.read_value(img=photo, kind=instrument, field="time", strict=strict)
3:11
